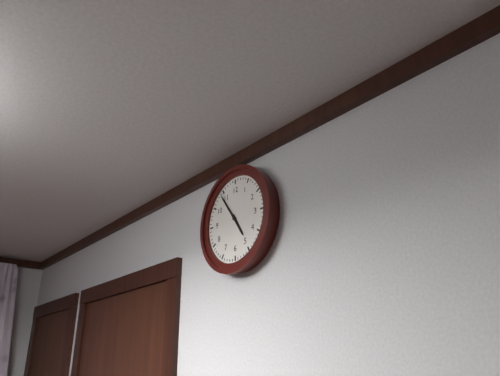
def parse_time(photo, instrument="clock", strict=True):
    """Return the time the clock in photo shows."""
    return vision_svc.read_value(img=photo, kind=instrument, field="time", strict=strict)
4:54
